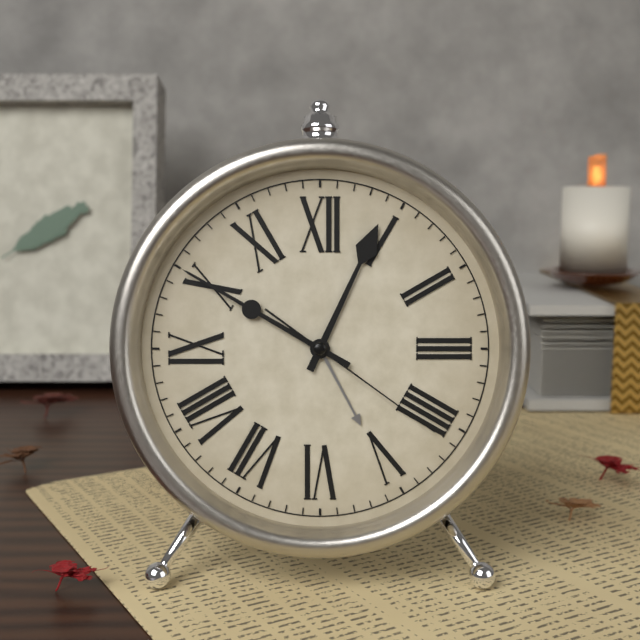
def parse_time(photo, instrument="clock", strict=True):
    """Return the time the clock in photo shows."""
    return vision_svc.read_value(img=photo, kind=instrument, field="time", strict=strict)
12:50:21
